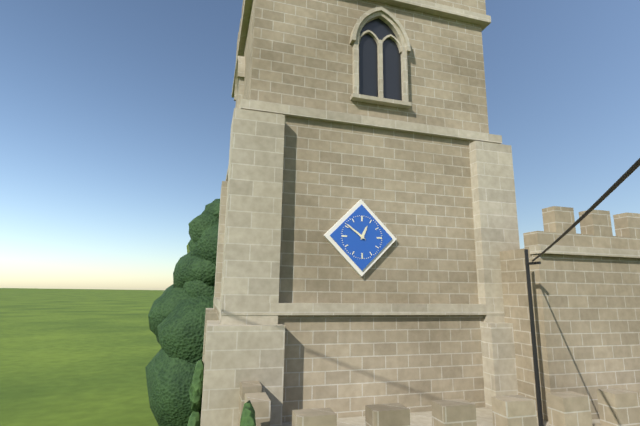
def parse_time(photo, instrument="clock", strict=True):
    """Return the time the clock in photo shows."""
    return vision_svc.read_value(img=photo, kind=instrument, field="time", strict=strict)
12:51
